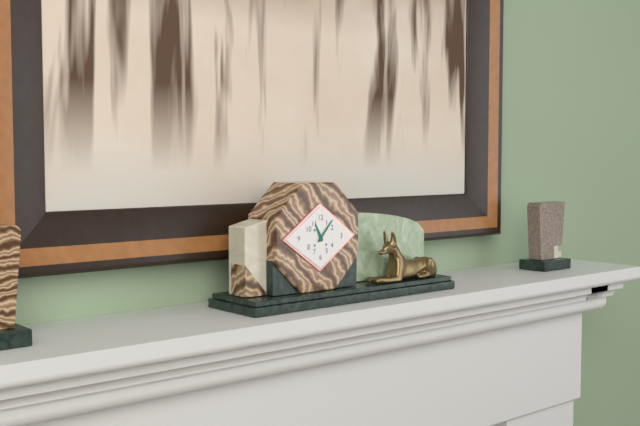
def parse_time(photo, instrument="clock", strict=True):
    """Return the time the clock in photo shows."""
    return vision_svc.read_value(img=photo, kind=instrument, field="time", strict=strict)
11:07
